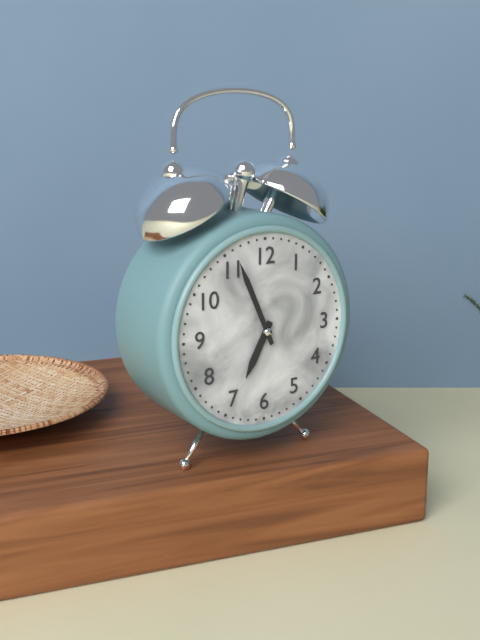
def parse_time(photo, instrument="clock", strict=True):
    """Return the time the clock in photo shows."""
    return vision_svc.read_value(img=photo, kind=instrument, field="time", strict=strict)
6:56
